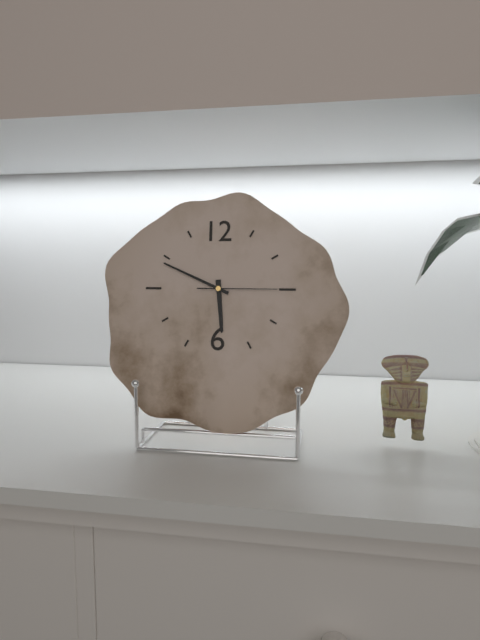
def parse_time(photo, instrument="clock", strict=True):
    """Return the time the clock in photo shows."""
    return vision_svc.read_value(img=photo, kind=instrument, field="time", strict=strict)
5:49:15
